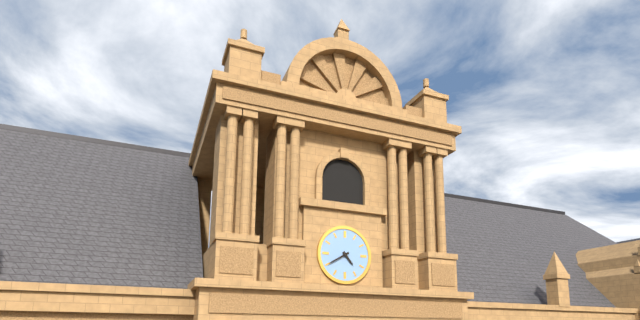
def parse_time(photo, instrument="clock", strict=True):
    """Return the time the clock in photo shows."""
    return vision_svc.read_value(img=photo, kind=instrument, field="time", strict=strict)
4:40
